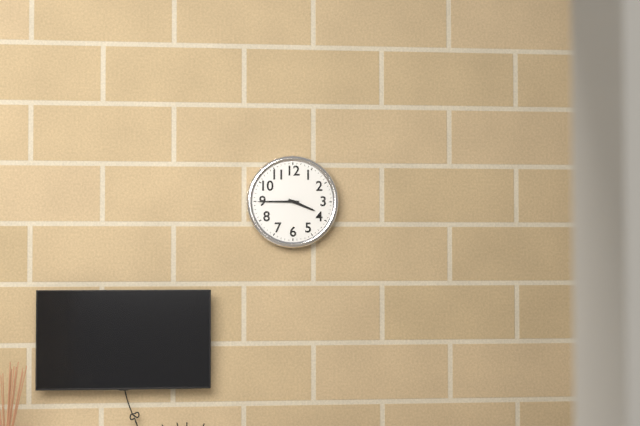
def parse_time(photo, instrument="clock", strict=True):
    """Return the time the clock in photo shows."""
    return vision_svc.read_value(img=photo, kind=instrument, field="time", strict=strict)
3:45
